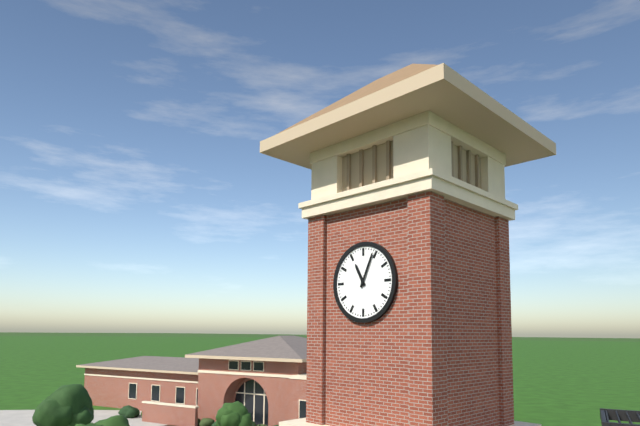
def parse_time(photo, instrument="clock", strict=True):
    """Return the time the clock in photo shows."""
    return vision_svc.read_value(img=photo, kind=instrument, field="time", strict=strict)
11:04
